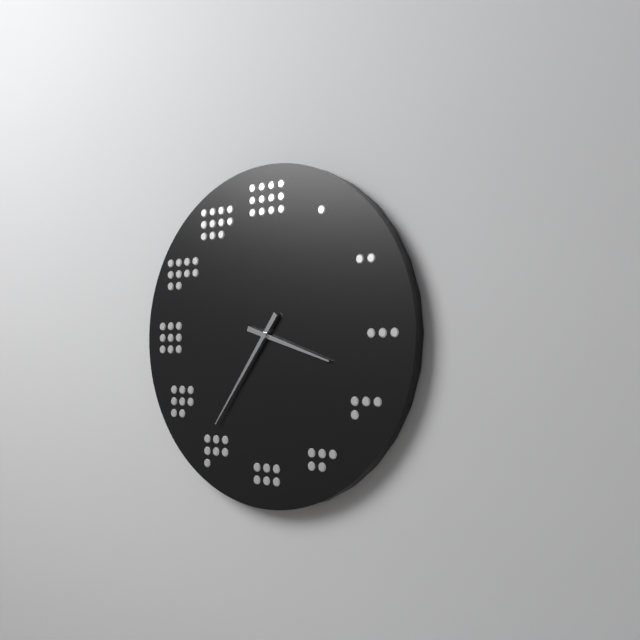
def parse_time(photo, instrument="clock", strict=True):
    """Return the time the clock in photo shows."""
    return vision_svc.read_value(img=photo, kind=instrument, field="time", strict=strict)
3:36
